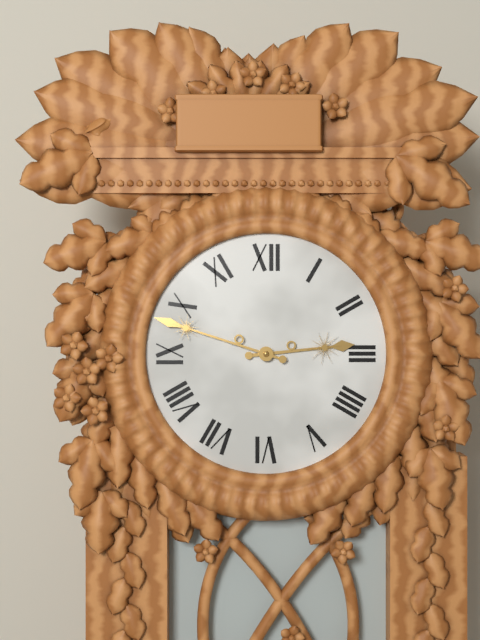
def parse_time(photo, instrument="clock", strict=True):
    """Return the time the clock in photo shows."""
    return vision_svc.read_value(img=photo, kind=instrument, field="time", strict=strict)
2:48
